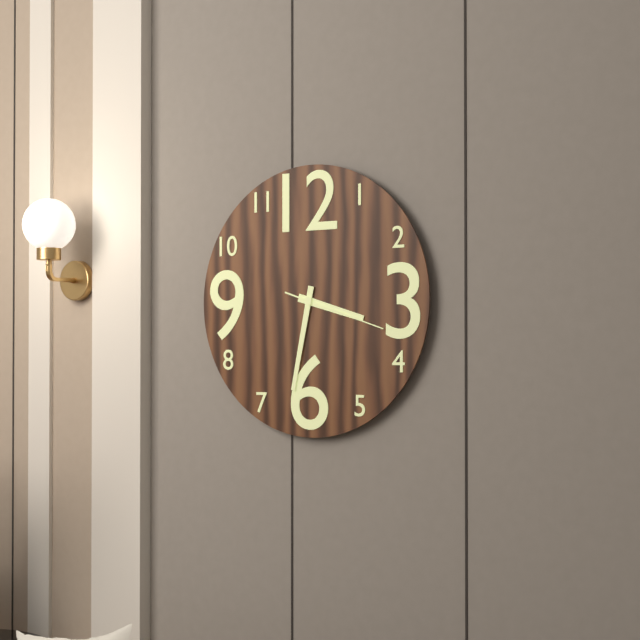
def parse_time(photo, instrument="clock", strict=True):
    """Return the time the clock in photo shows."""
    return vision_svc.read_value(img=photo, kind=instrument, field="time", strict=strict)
3:32:18
